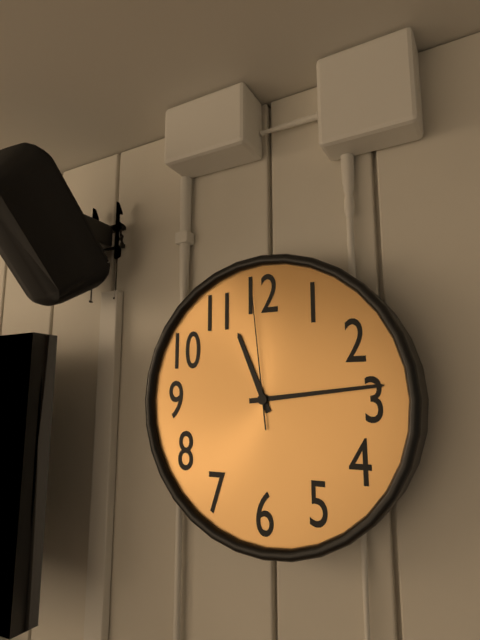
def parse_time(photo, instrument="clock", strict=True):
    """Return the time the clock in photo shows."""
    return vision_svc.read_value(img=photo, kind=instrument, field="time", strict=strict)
11:14:59
